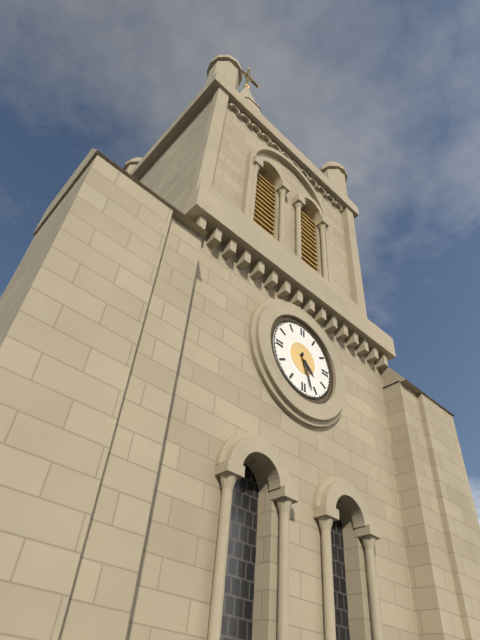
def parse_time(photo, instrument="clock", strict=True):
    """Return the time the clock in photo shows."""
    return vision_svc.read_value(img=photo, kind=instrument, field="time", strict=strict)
4:27
